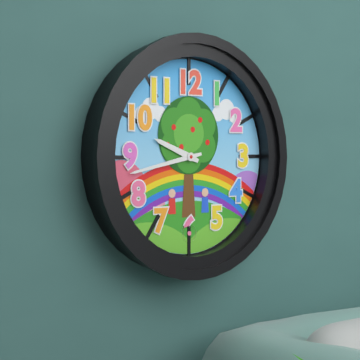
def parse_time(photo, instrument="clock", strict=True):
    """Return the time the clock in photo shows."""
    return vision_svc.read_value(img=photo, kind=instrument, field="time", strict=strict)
9:43
